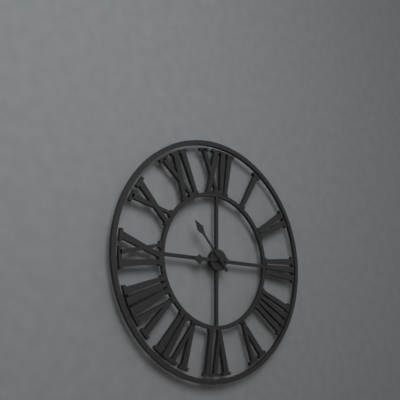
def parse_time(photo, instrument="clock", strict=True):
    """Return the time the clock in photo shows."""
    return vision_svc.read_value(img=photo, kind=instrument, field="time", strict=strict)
8:53
